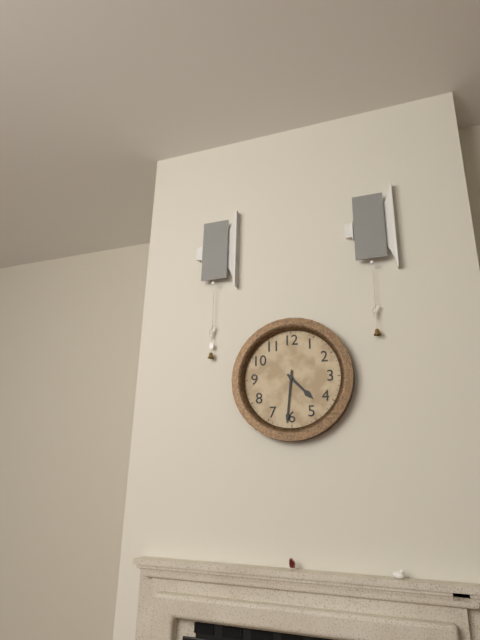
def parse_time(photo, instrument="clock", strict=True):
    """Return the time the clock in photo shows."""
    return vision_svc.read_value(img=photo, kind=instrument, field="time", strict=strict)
4:31
